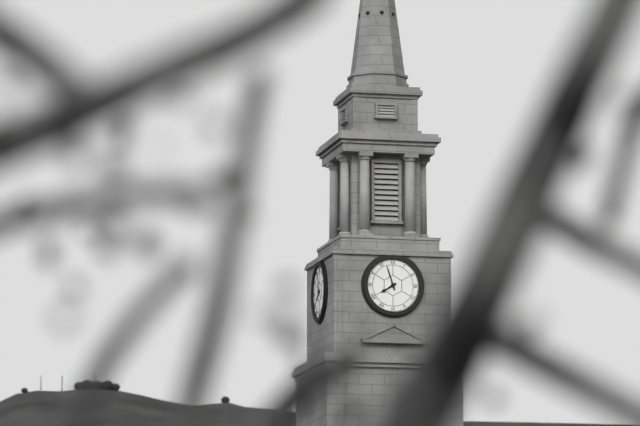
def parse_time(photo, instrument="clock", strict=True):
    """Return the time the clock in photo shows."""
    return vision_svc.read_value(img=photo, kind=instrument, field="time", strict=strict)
7:57
